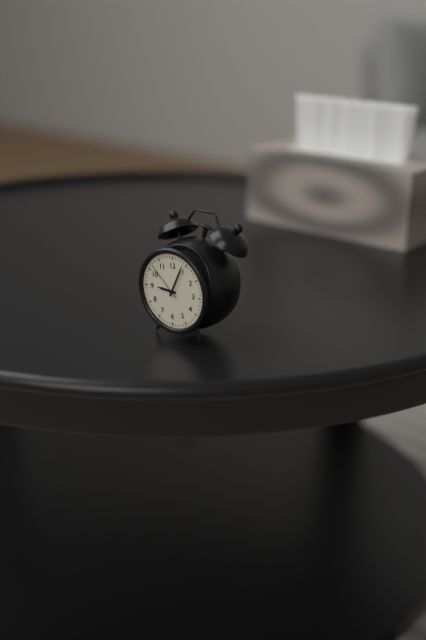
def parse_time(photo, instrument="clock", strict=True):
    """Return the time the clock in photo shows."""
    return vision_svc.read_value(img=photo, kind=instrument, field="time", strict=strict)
9:04
